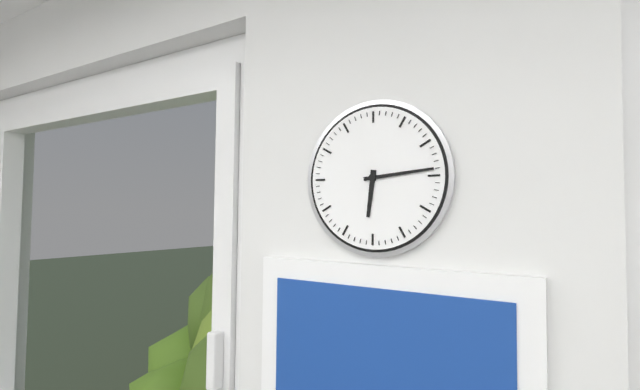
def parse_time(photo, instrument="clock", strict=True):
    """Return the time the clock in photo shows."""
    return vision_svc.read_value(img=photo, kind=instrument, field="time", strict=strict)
6:14
